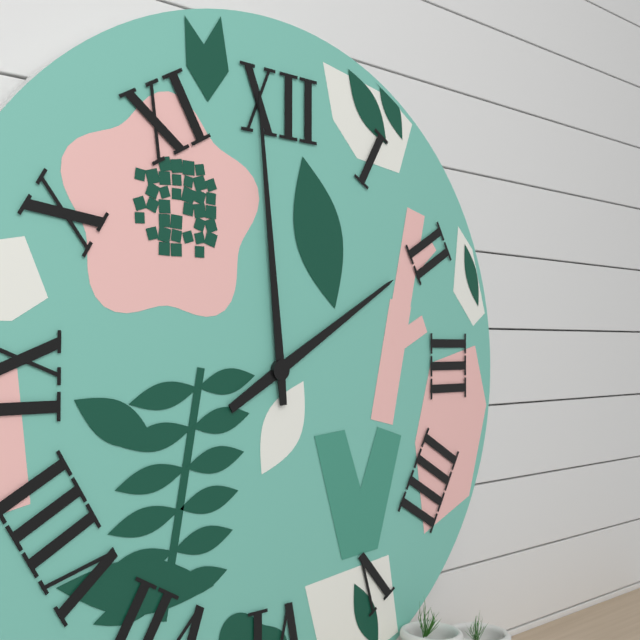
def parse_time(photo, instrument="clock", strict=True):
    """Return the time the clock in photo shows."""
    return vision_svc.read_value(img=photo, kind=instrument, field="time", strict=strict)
1:59
